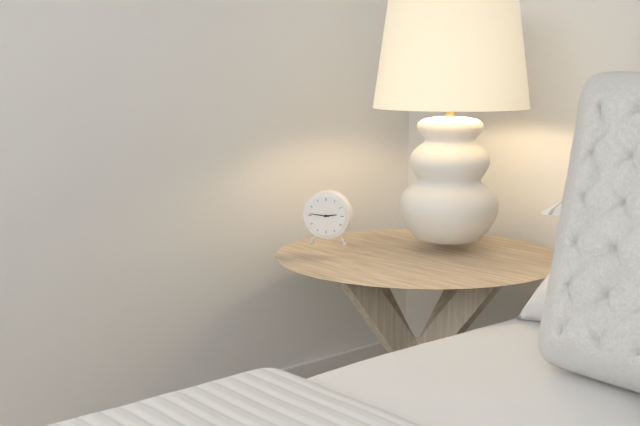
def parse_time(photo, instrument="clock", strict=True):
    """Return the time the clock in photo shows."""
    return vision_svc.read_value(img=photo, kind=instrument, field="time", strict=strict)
2:46
